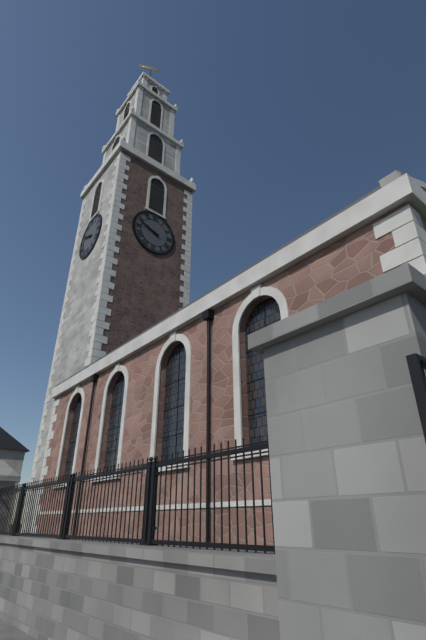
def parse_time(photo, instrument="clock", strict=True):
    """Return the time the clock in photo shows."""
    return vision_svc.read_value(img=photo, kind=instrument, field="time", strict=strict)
9:48
